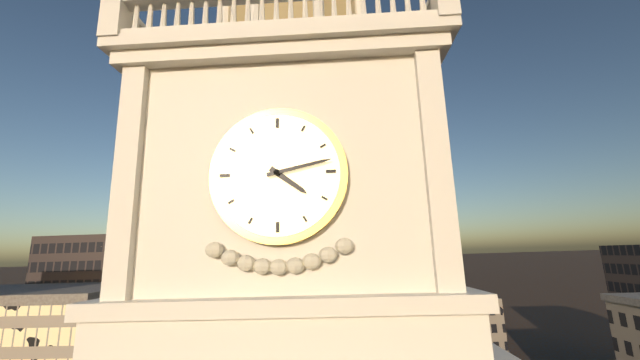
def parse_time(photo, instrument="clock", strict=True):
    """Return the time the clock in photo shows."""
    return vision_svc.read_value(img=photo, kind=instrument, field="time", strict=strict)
4:13
